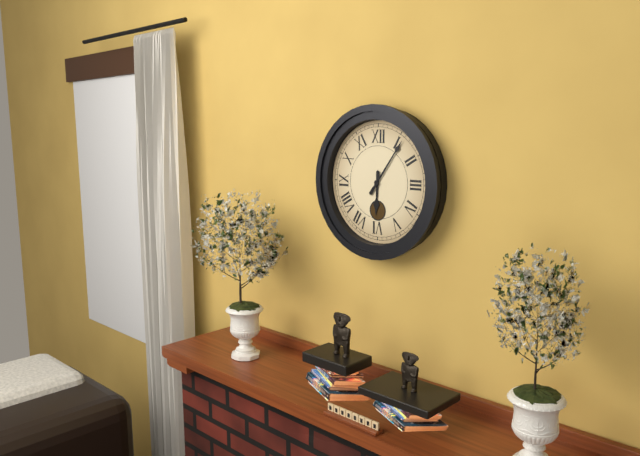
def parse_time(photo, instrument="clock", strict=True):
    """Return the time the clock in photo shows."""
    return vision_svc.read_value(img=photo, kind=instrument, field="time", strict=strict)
6:06
